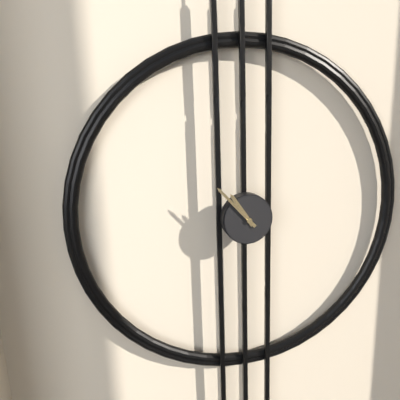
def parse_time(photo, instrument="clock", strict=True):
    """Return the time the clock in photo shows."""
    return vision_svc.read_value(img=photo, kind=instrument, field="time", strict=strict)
10:53
